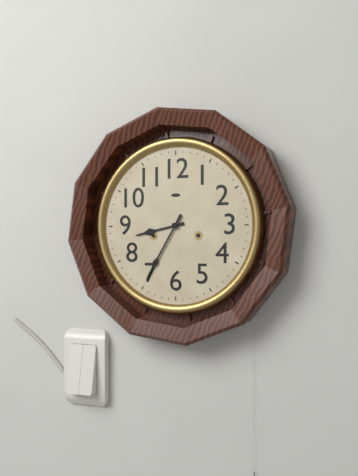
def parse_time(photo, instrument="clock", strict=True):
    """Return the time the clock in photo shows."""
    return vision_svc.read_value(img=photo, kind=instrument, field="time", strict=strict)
8:35
